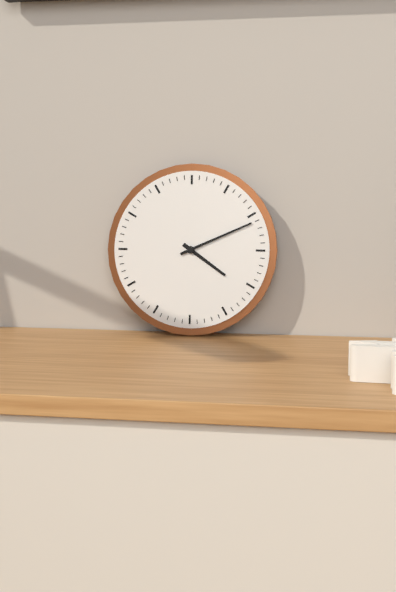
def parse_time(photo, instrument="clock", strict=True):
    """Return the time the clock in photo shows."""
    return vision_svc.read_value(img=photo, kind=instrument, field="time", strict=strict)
4:11
